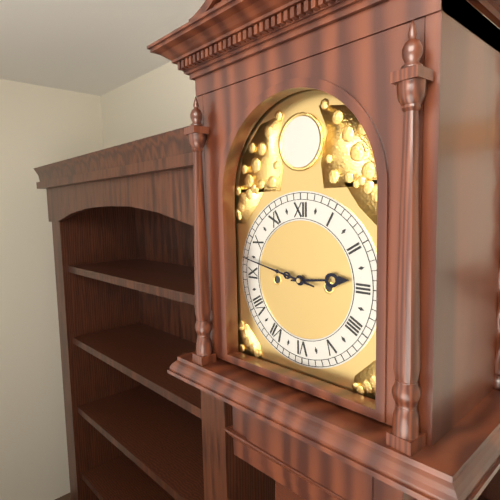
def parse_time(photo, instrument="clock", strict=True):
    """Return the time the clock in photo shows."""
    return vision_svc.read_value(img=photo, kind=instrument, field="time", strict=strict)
2:47
